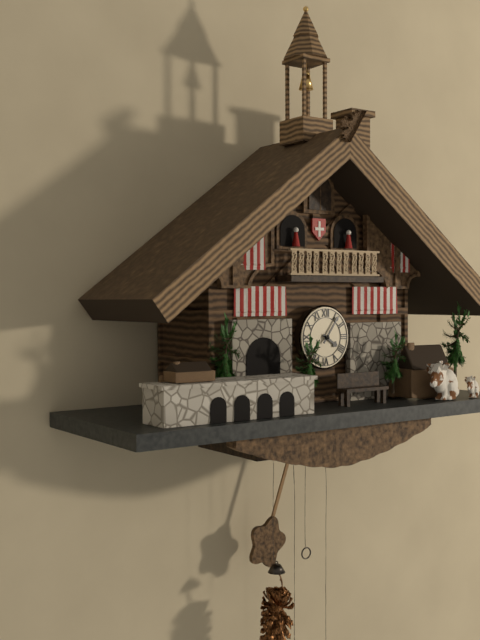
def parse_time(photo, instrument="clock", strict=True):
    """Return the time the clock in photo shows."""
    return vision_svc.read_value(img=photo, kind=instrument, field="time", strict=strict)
4:06
